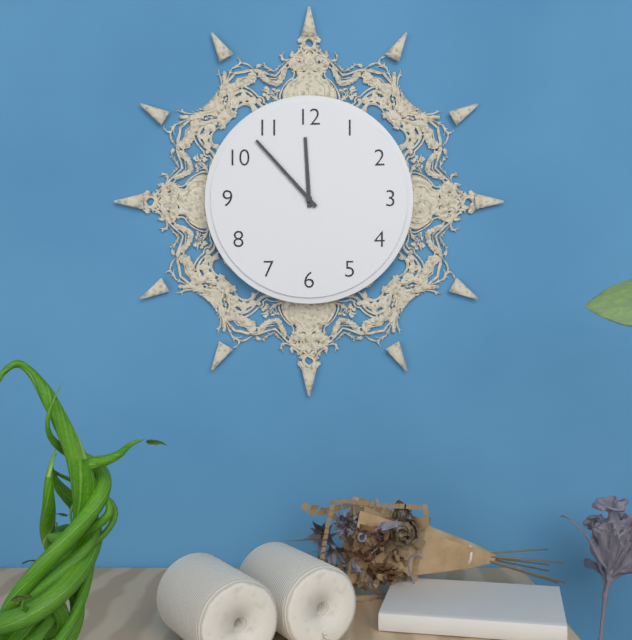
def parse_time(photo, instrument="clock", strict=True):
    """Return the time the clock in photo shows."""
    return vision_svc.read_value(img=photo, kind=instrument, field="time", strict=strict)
11:53
